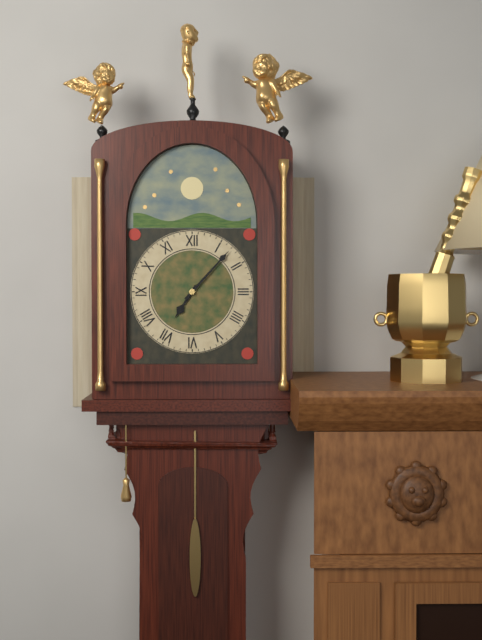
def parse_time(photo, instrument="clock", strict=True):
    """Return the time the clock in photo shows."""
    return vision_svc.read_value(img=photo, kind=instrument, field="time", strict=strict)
7:07
